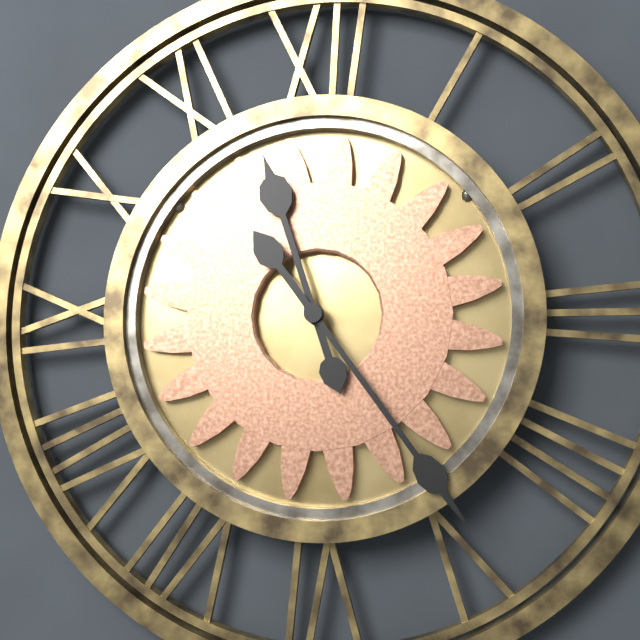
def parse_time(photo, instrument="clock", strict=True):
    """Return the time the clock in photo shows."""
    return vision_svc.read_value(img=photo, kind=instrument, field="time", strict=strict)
11:24
